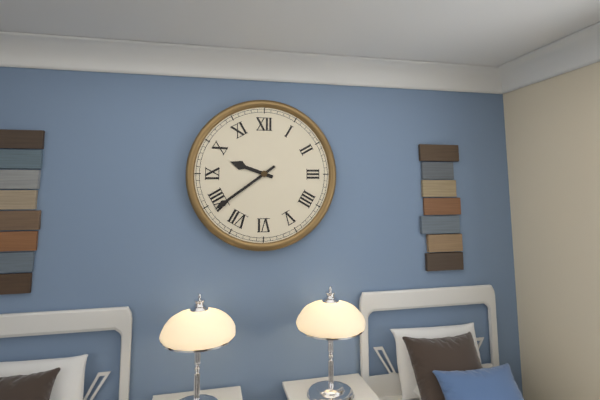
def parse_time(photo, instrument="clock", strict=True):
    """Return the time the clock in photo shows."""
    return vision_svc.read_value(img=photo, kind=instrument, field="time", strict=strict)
9:39
